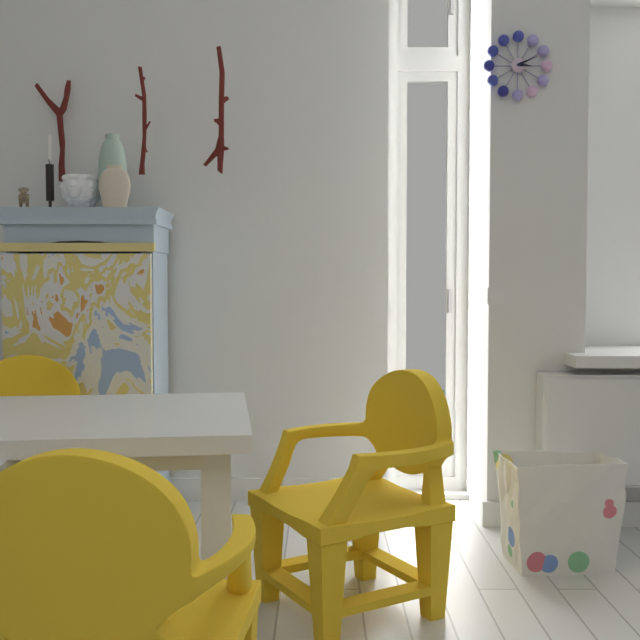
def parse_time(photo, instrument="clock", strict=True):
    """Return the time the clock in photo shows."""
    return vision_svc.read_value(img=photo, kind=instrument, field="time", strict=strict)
3:11
